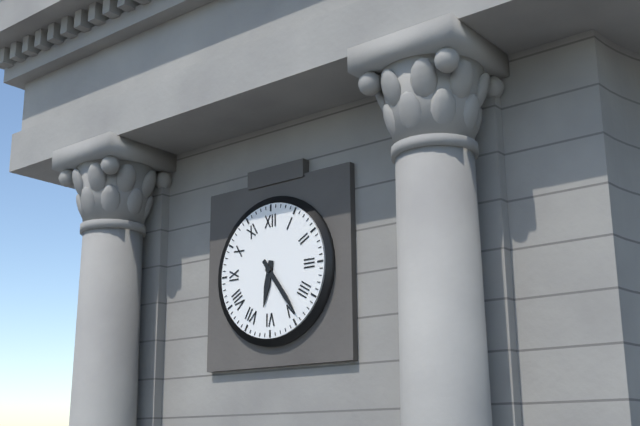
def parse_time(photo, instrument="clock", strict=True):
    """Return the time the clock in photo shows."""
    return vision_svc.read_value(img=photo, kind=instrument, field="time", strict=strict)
6:24
